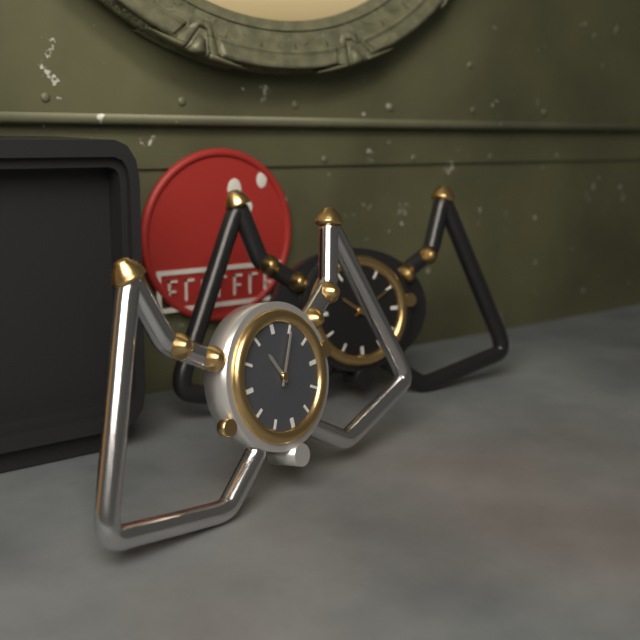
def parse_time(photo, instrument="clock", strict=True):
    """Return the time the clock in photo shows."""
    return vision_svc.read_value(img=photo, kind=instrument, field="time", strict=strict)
11:05
